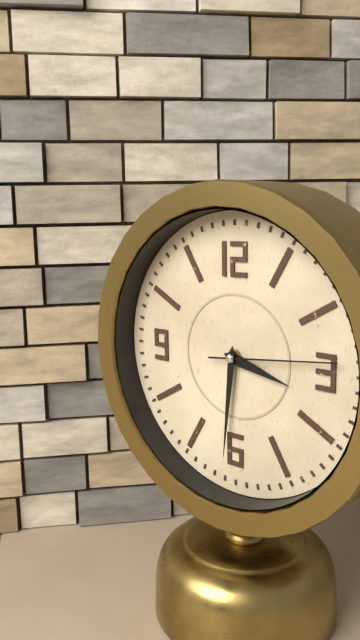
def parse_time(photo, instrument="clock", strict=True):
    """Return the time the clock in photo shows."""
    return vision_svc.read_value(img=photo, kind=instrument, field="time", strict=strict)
3:31:14
